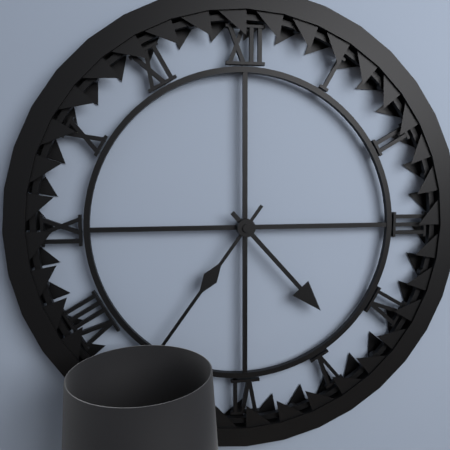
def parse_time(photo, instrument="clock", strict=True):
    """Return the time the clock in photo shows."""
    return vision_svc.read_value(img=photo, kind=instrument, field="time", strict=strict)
4:36
